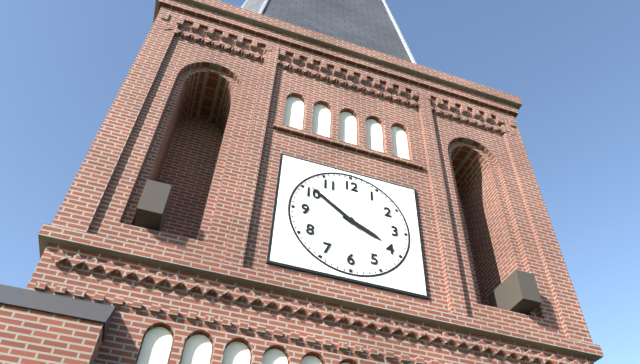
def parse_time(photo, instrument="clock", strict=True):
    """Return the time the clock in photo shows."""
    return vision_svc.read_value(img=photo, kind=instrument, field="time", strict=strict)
3:51
